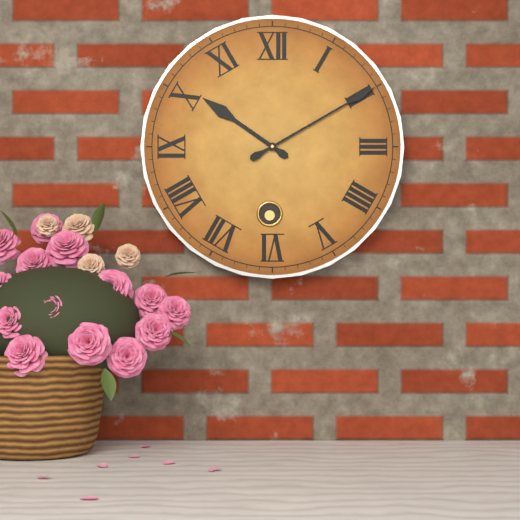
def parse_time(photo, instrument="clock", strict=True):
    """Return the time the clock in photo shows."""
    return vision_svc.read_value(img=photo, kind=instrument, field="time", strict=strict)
10:10
